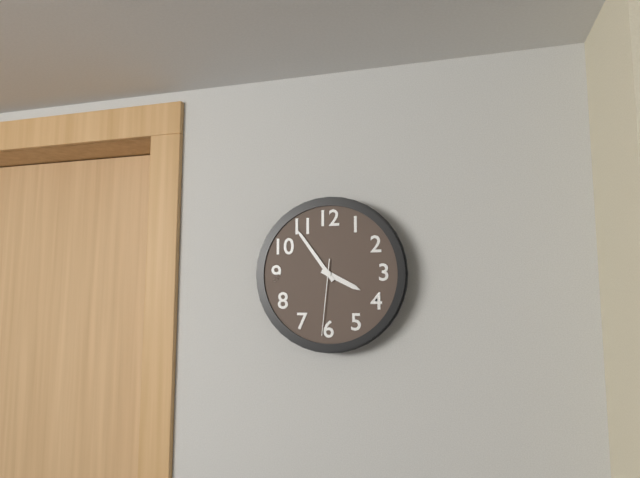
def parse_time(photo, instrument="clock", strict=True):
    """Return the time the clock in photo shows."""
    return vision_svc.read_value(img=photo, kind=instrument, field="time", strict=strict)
3:54:31
